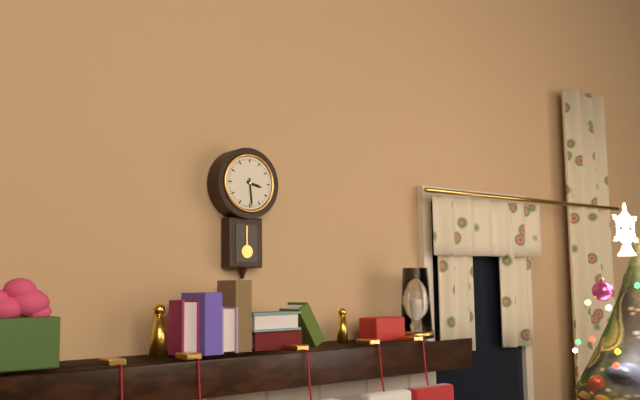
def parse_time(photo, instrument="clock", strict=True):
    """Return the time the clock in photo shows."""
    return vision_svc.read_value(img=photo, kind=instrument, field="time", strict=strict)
3:29
